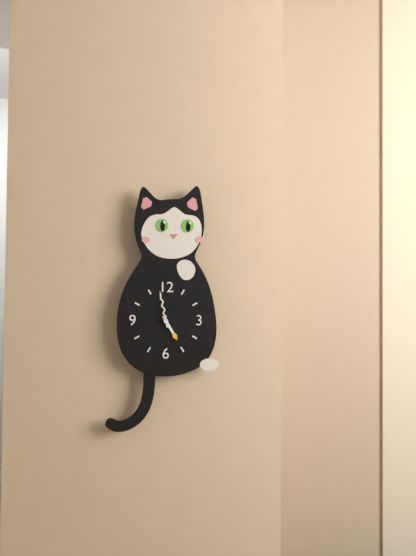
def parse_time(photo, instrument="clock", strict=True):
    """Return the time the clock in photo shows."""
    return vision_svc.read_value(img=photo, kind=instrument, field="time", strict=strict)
4:58
